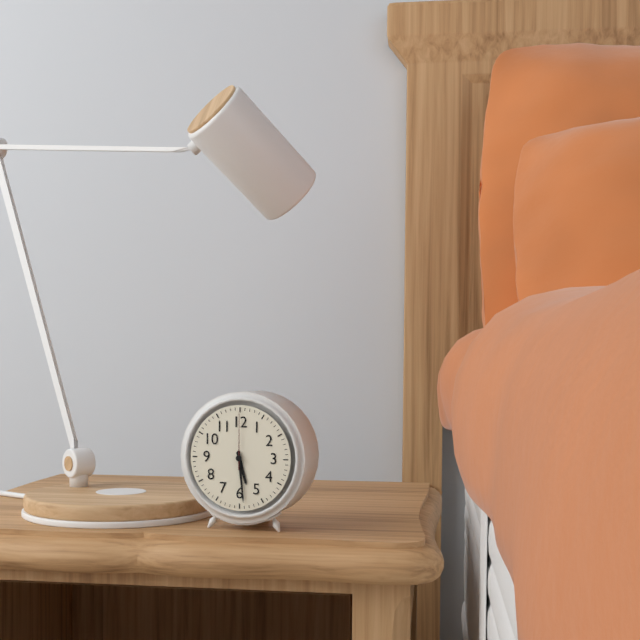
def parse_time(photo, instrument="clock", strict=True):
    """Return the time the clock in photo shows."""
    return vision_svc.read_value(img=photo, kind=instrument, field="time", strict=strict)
5:29:00
